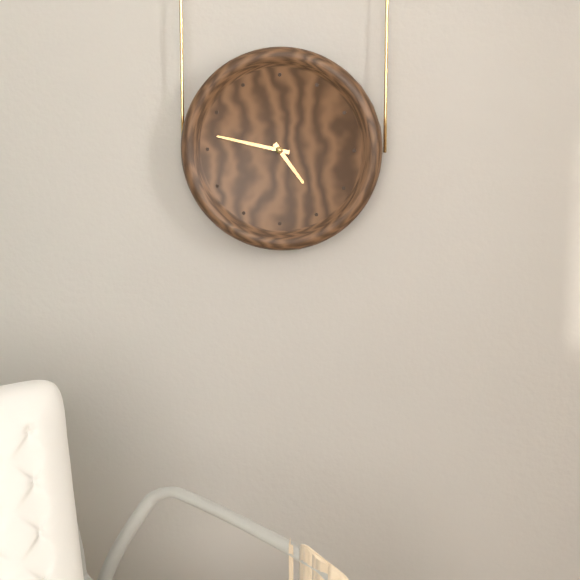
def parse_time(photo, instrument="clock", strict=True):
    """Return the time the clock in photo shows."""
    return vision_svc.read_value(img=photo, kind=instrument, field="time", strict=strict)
4:47
